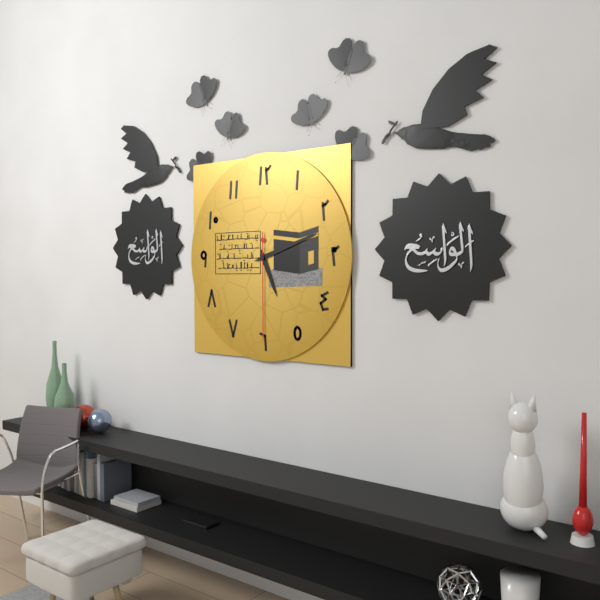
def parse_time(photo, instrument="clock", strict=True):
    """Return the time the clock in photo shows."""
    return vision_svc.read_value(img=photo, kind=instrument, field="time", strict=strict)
5:12:30
